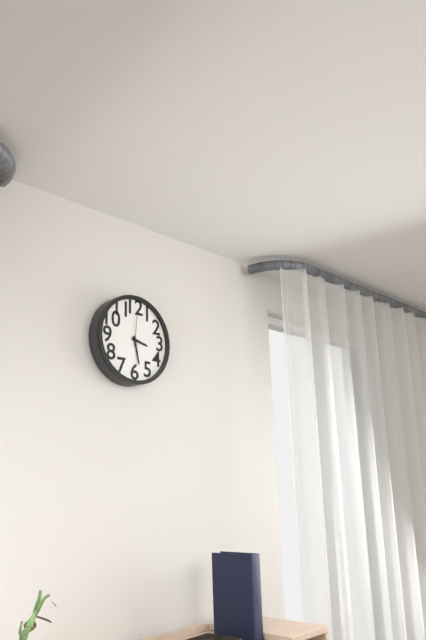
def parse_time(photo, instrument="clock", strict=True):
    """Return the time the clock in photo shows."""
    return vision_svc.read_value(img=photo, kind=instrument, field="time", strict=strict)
3:28
